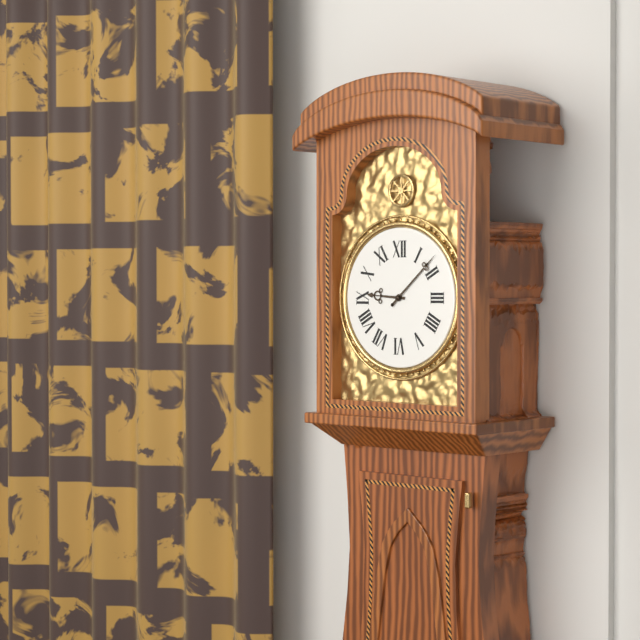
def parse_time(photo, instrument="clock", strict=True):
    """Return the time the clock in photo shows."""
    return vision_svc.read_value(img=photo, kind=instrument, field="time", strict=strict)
9:08
